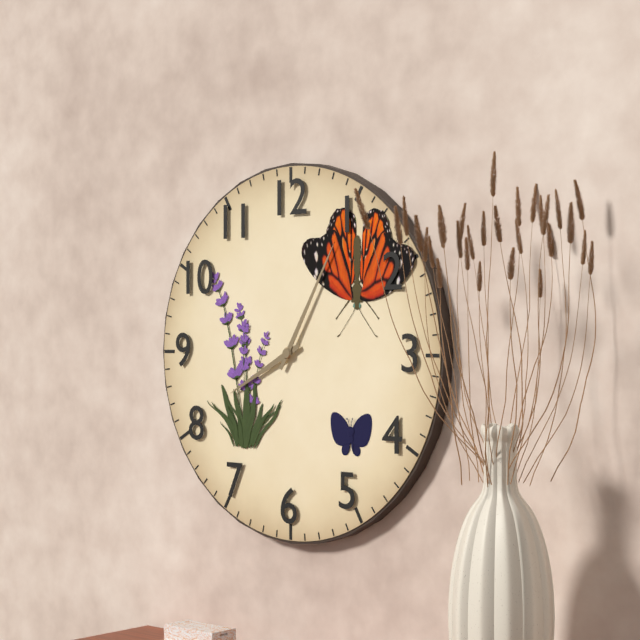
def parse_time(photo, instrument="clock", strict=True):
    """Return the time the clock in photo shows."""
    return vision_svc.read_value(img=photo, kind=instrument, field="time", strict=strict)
8:05
